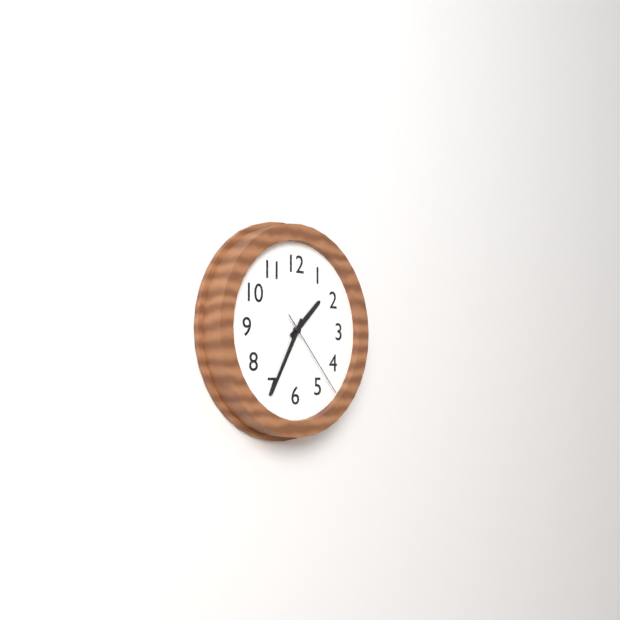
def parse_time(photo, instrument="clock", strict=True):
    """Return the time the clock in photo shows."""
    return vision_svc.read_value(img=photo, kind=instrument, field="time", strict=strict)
1:35:23
